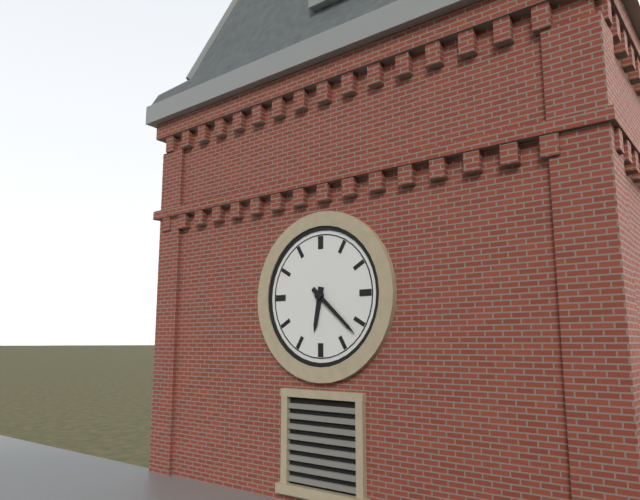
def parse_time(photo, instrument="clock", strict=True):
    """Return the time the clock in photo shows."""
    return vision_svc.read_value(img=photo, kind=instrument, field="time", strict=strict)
6:22
